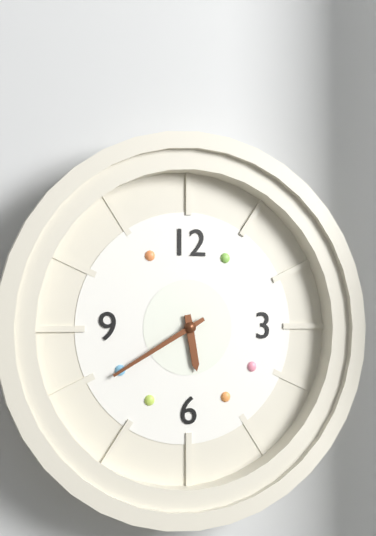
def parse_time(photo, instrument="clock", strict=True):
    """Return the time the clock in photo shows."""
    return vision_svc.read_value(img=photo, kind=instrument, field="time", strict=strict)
5:40
